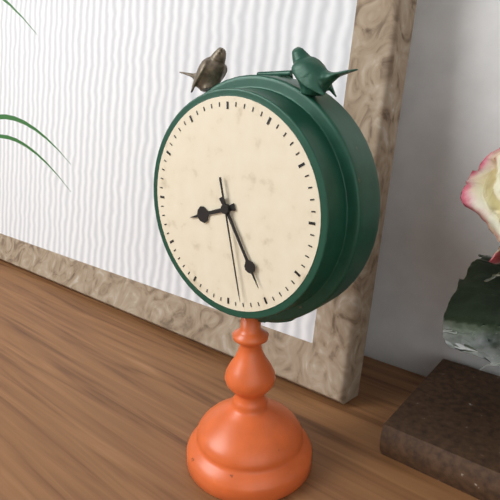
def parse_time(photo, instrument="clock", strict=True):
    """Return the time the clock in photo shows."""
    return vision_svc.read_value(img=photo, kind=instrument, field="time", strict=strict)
8:25:28
